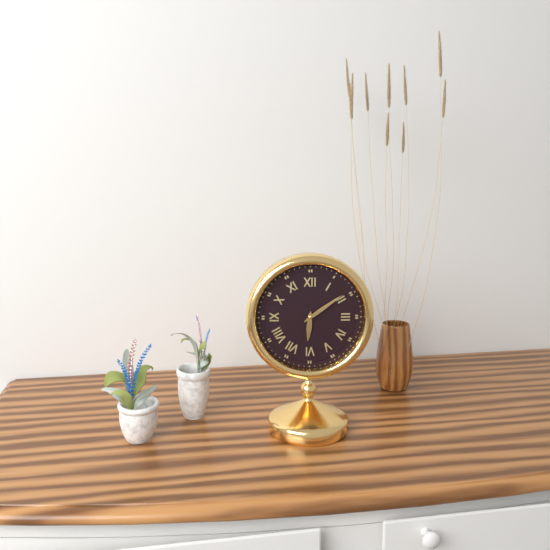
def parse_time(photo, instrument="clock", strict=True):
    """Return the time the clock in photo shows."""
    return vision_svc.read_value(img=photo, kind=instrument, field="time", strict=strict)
6:09
